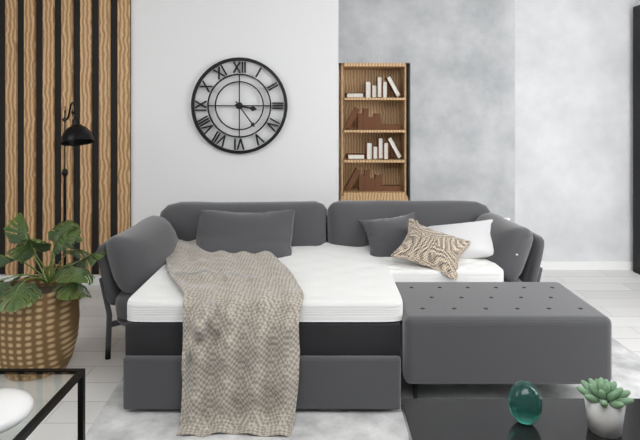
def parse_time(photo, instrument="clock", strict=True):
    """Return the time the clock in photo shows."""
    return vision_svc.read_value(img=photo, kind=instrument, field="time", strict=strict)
3:24
